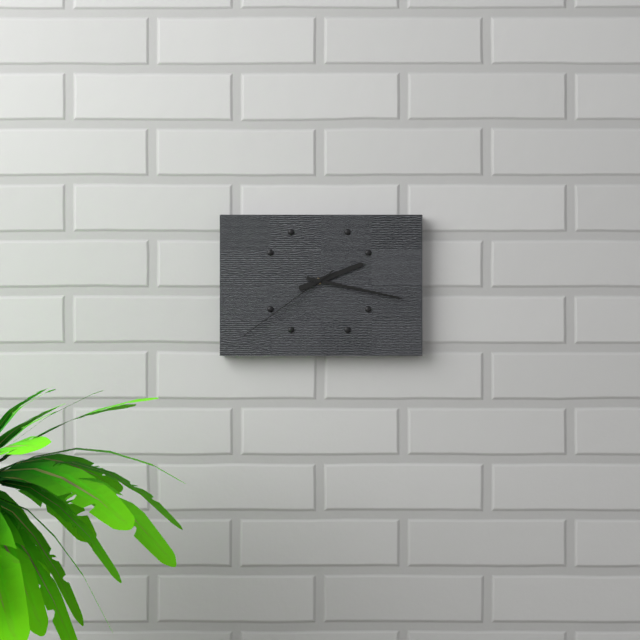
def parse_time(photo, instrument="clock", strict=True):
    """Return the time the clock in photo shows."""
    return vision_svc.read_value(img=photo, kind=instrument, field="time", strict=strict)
2:17:39
